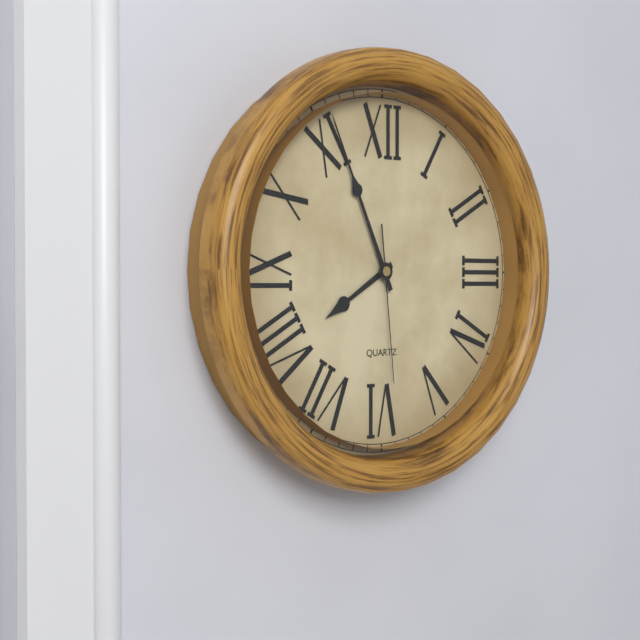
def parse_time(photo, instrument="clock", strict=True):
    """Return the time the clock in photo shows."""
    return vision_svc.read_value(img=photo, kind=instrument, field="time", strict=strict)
7:56:29
